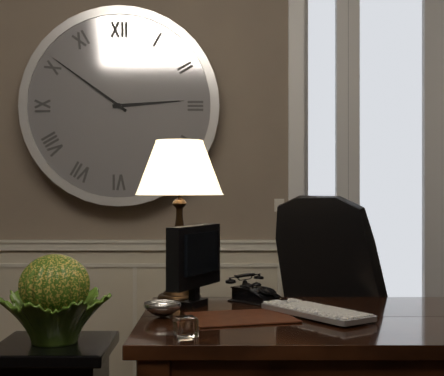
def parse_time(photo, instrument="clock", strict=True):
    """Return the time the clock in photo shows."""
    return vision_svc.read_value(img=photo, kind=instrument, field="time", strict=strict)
2:51
